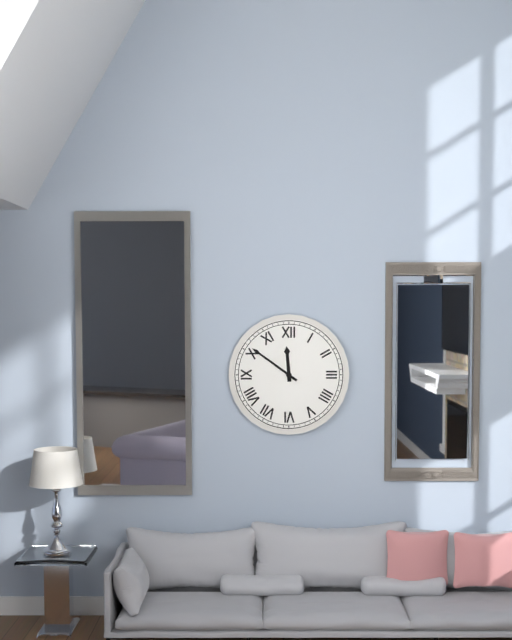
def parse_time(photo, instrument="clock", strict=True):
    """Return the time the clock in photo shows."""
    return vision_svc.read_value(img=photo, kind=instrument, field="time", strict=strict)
11:51
